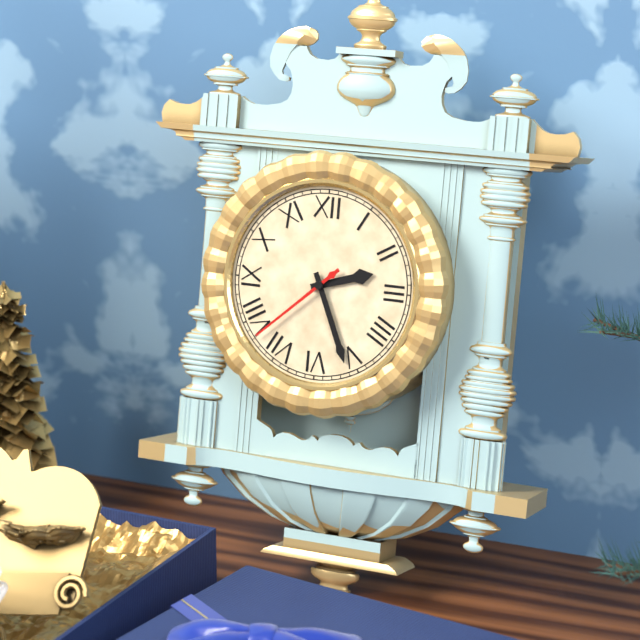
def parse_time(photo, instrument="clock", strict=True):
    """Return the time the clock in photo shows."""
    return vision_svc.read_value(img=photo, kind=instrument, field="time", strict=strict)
2:26:38
